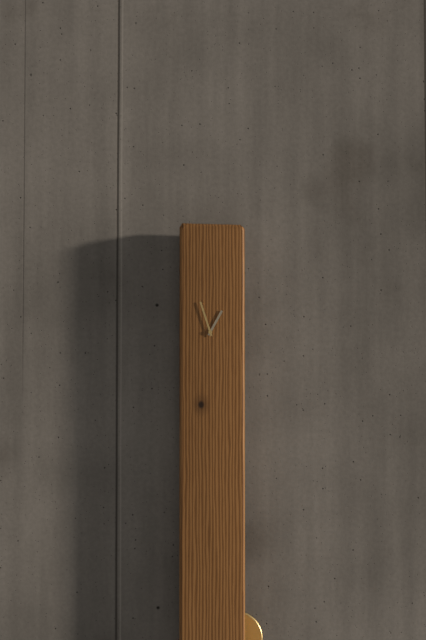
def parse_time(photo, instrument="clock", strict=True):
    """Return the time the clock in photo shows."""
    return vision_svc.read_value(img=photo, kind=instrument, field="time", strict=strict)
12:57
